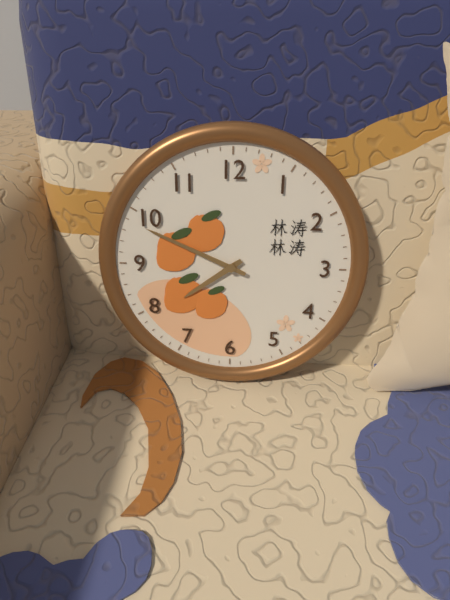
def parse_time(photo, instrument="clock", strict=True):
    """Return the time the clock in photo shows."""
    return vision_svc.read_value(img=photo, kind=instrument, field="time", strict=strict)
7:49
